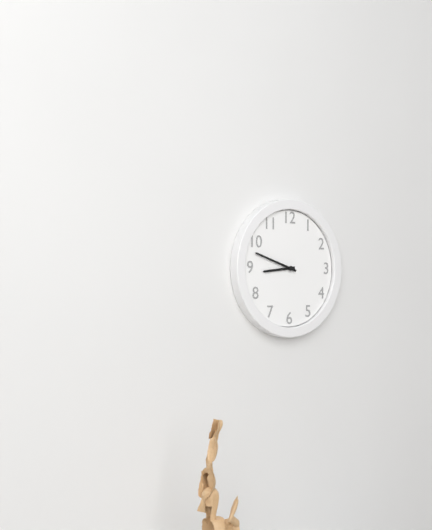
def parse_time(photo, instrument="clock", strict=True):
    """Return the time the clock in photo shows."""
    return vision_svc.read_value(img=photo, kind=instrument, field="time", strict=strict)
8:48
